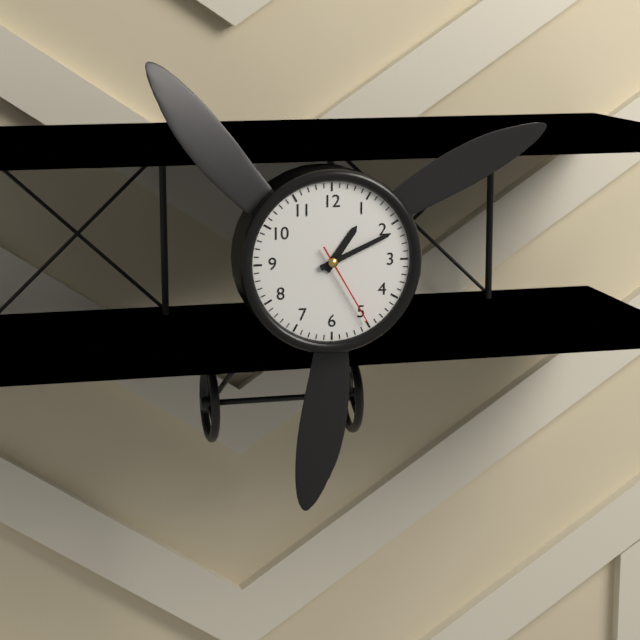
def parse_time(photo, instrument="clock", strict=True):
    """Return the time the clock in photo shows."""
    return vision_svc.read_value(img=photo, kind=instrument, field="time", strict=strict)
1:11:25
